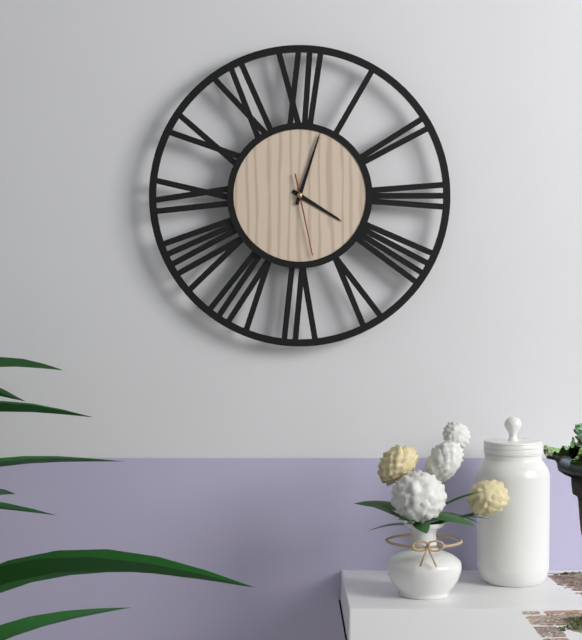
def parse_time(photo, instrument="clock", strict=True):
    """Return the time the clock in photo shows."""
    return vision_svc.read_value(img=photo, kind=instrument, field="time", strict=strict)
4:03:28
